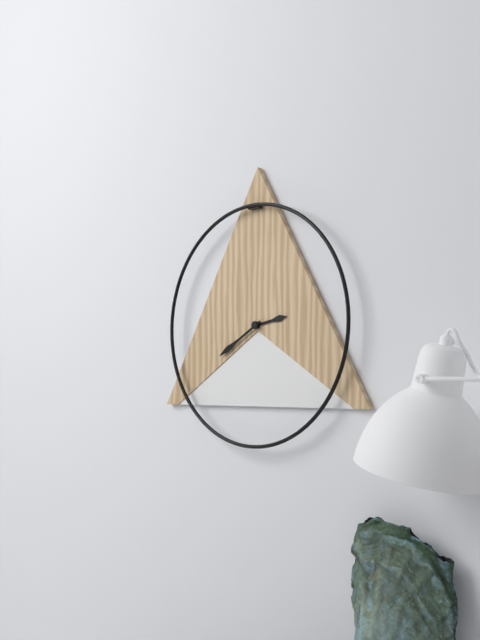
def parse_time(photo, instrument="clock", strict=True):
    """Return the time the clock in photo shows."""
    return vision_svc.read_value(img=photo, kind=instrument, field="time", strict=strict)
2:40
